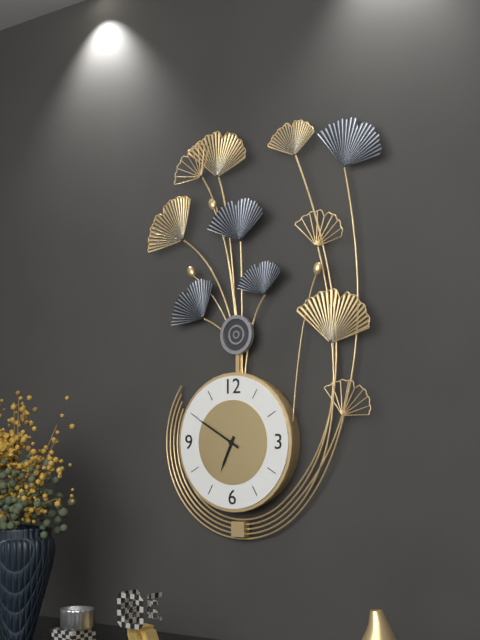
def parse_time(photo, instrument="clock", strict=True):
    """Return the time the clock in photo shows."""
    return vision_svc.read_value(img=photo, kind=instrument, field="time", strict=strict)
6:50
